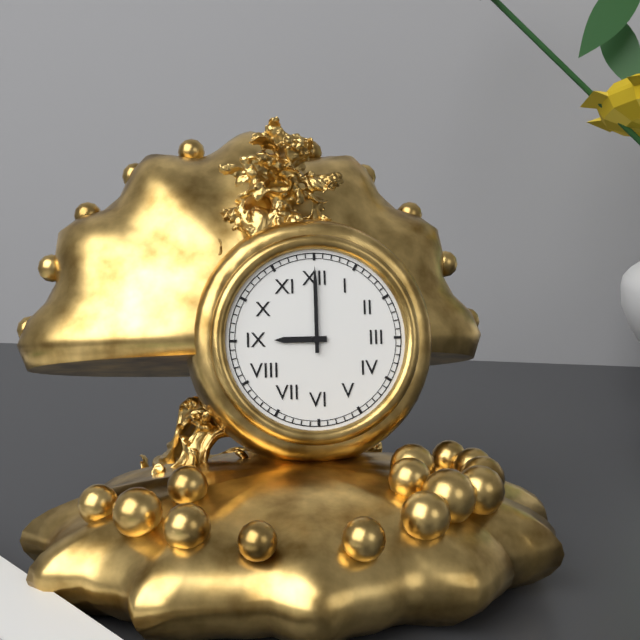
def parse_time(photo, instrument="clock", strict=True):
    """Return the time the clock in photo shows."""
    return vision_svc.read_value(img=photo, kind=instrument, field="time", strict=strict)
9:00
